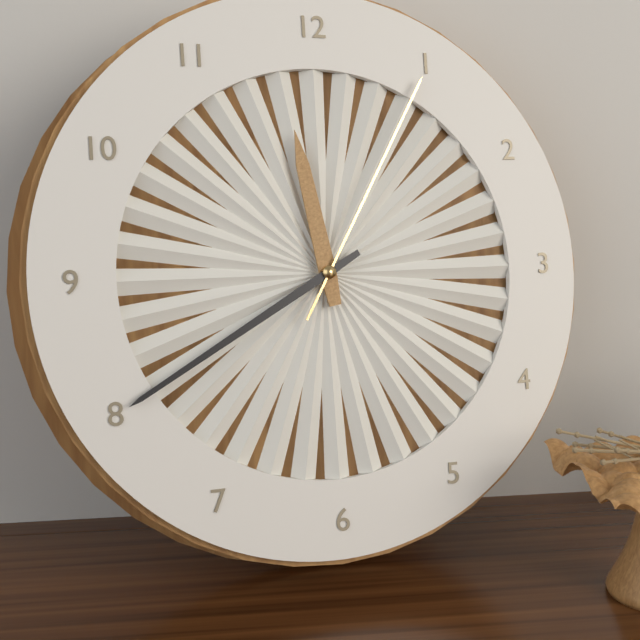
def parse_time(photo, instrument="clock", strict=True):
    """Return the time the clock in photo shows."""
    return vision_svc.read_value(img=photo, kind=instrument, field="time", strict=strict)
11:40:05
